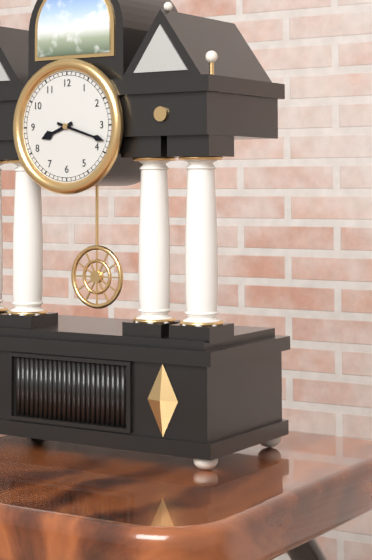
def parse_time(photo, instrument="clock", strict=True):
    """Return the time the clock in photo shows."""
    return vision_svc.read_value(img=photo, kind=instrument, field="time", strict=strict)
8:18
